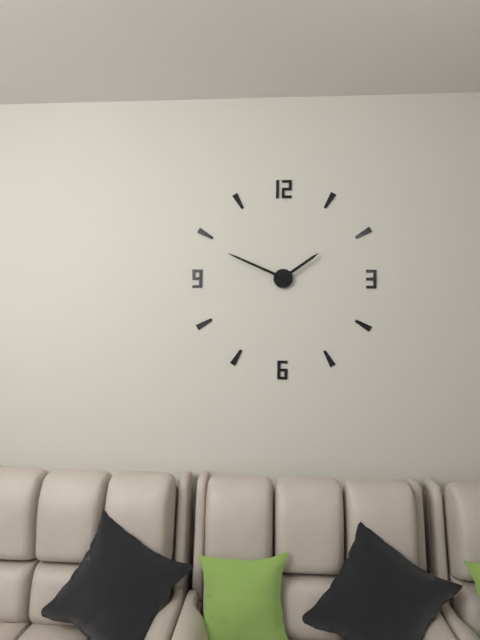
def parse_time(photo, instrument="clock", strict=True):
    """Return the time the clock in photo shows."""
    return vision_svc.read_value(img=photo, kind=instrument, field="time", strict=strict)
1:49
